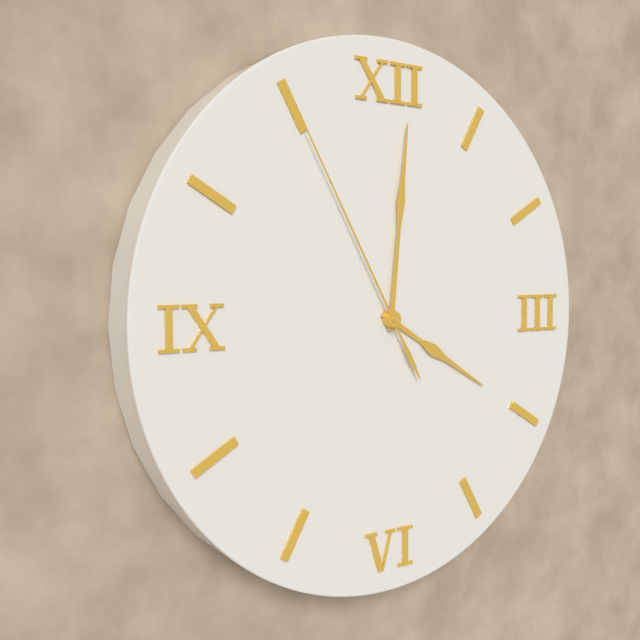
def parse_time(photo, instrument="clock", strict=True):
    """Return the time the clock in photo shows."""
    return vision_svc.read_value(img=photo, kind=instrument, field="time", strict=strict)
4:01:55
